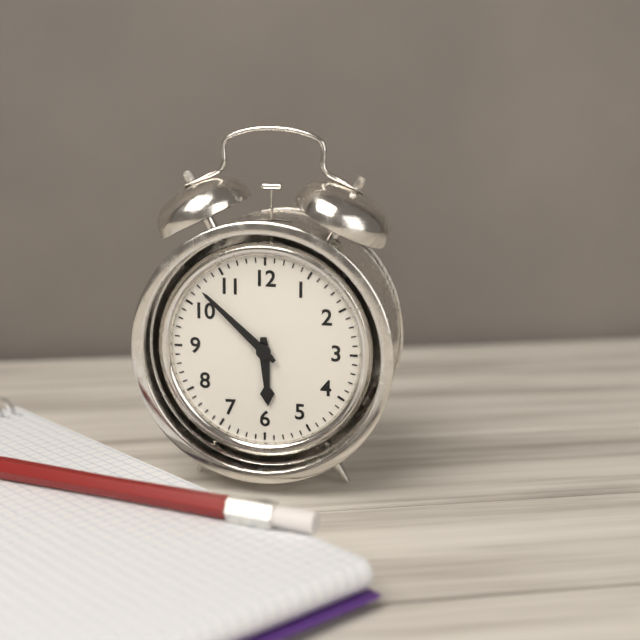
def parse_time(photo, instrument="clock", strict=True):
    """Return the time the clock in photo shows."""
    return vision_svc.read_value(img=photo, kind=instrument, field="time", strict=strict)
5:52
